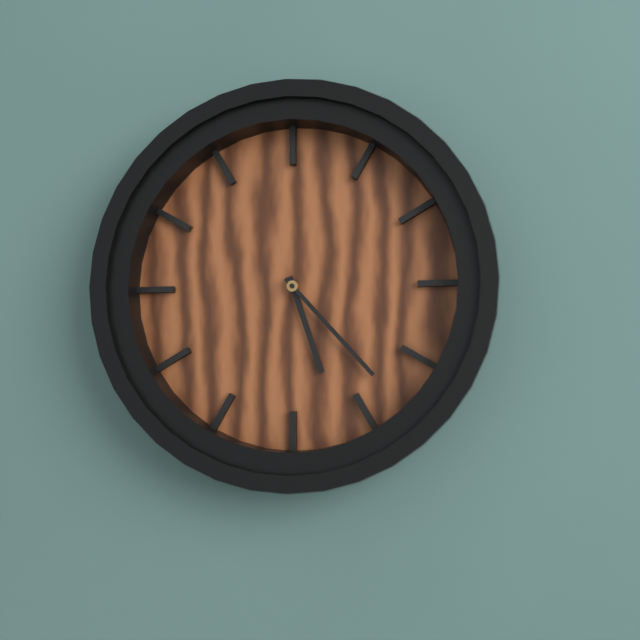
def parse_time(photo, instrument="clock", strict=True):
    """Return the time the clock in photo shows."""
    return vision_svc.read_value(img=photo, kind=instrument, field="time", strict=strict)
5:23
